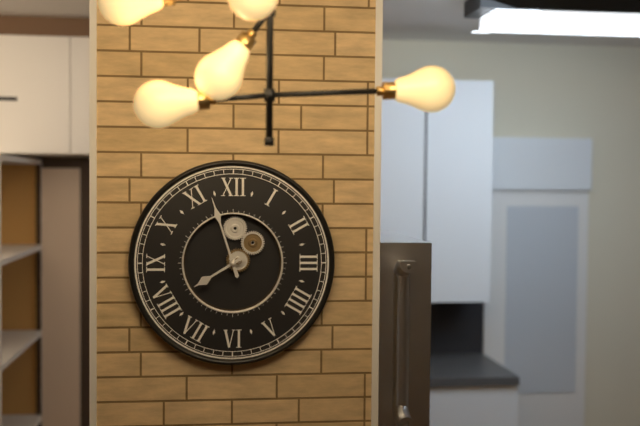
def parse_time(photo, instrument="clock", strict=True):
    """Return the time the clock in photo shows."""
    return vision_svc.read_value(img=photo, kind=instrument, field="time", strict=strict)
7:57
